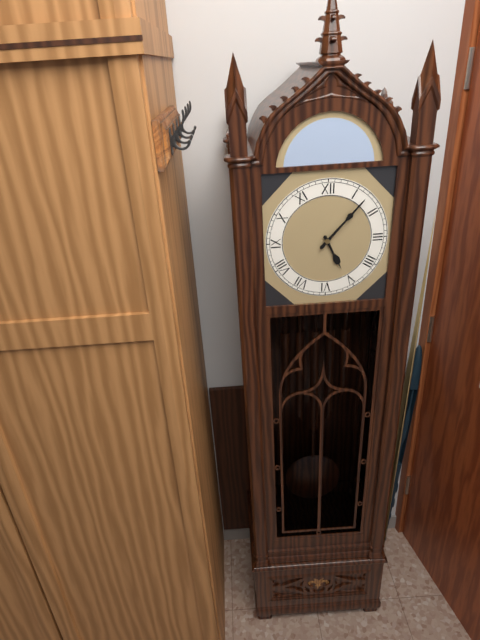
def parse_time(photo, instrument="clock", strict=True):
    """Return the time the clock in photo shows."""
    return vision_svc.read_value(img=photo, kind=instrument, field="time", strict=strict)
5:07
